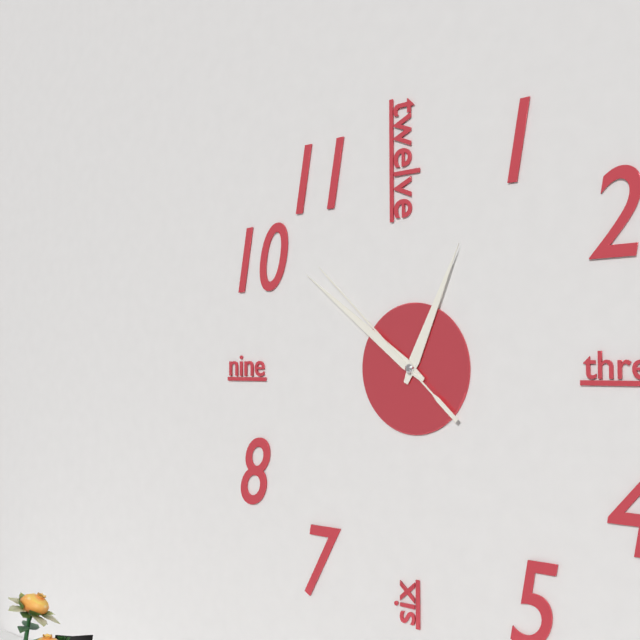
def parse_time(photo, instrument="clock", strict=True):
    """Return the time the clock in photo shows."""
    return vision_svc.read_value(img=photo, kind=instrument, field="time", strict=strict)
12:51:52
